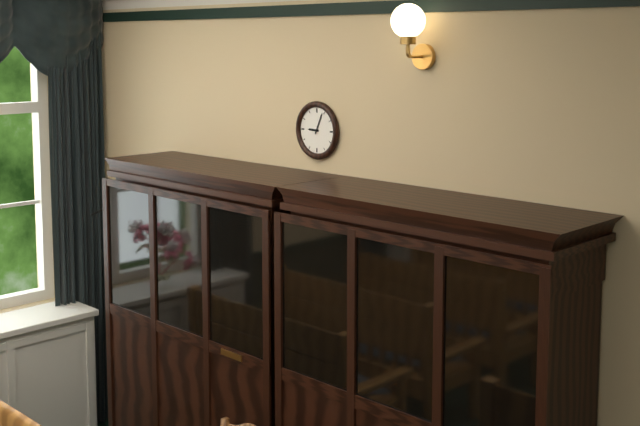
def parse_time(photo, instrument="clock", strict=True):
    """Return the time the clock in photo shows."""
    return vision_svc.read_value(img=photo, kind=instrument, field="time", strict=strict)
9:04
